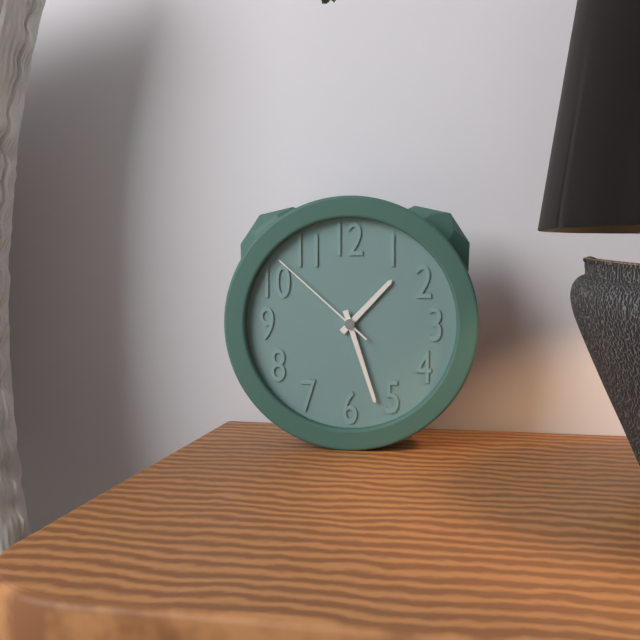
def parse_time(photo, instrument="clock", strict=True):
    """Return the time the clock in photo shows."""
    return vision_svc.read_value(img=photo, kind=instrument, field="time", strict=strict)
1:27:52
